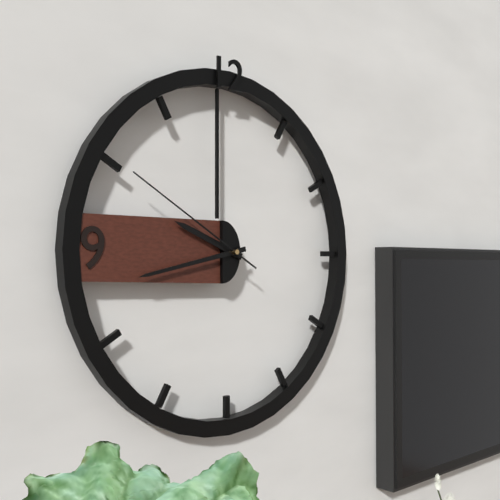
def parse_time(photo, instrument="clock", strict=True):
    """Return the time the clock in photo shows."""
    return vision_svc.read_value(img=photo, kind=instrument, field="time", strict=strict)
9:43:50
